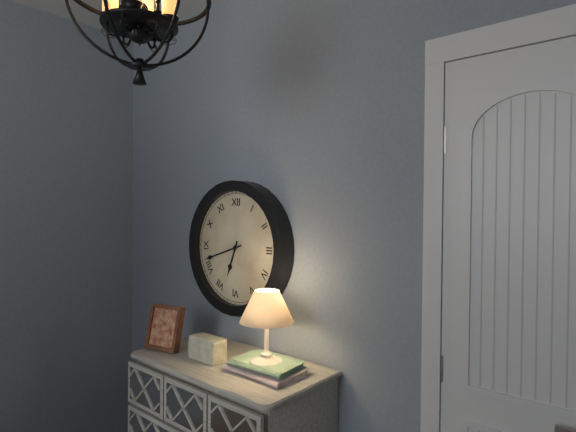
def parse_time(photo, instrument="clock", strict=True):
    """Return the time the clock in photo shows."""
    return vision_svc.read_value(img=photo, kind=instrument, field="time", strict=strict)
6:42
